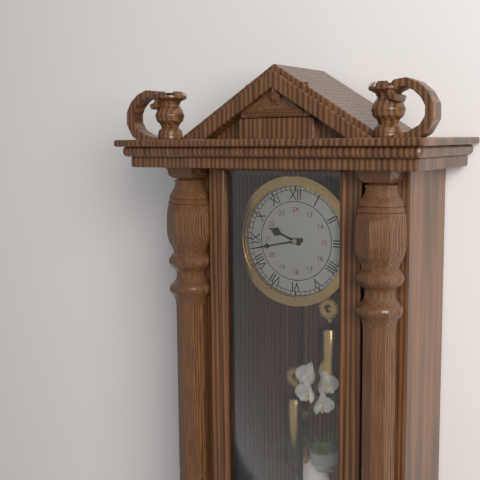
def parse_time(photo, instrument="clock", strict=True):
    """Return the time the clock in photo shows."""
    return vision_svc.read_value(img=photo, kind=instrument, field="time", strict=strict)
9:43
